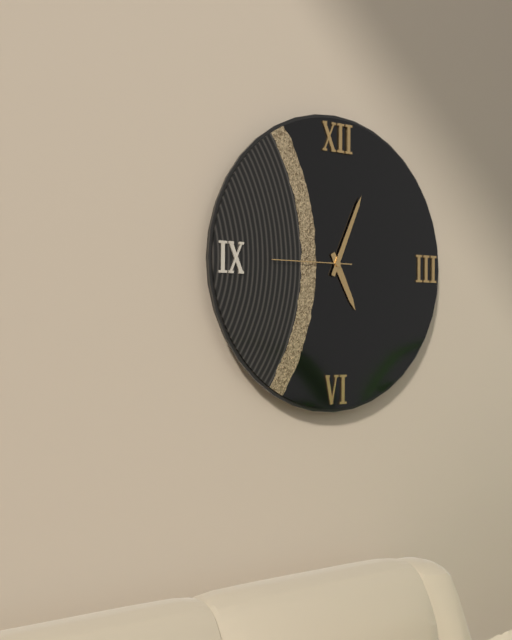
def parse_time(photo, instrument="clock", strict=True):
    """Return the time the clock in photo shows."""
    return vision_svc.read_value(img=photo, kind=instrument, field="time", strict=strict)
5:04:45
